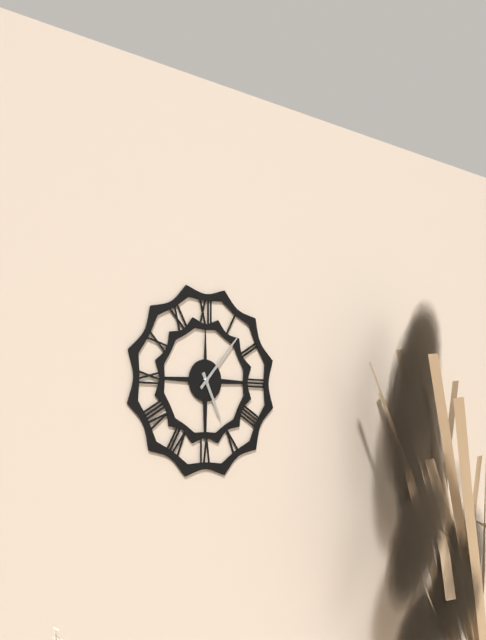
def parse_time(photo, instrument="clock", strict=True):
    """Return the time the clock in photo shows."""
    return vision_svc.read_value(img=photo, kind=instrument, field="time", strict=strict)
5:07
